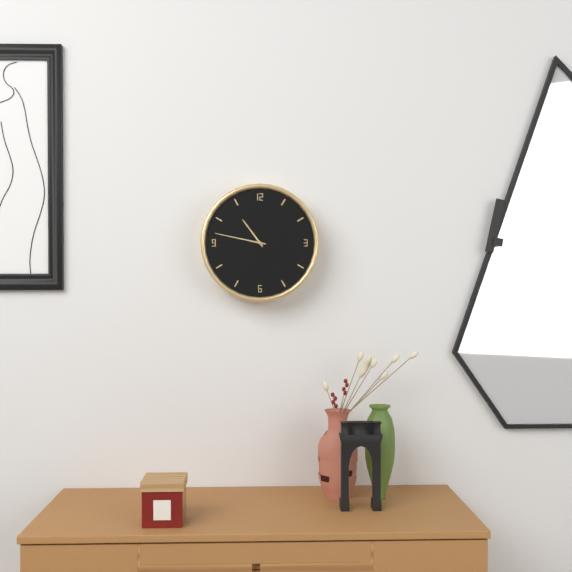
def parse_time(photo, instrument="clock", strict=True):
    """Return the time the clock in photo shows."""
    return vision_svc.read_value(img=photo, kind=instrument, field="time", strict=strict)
10:47
